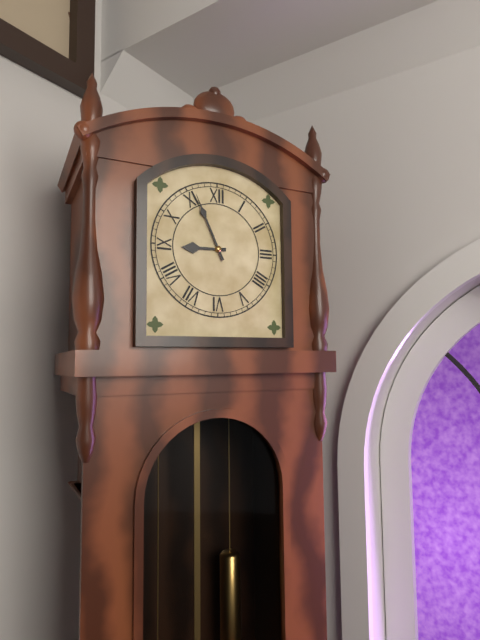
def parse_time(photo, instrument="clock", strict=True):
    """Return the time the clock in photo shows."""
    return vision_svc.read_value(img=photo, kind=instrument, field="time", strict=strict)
8:56
